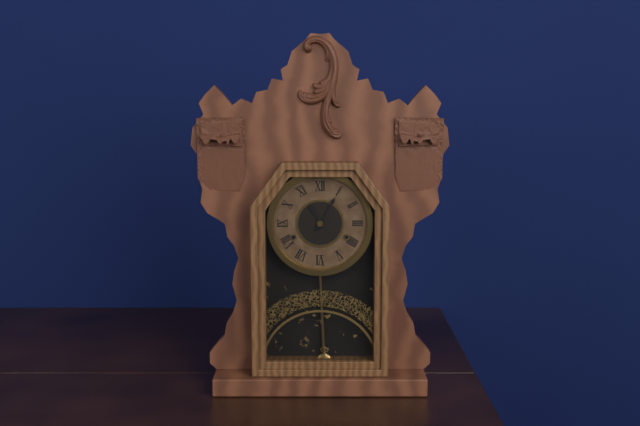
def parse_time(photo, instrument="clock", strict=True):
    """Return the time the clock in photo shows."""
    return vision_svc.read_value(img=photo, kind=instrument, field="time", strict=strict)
11:05
